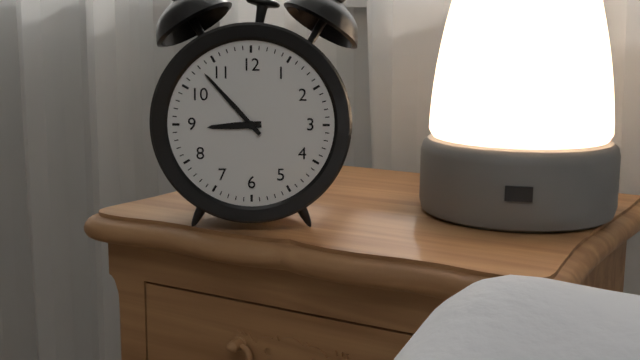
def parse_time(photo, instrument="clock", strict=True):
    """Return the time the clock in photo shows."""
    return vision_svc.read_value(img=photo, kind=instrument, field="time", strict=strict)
8:53
